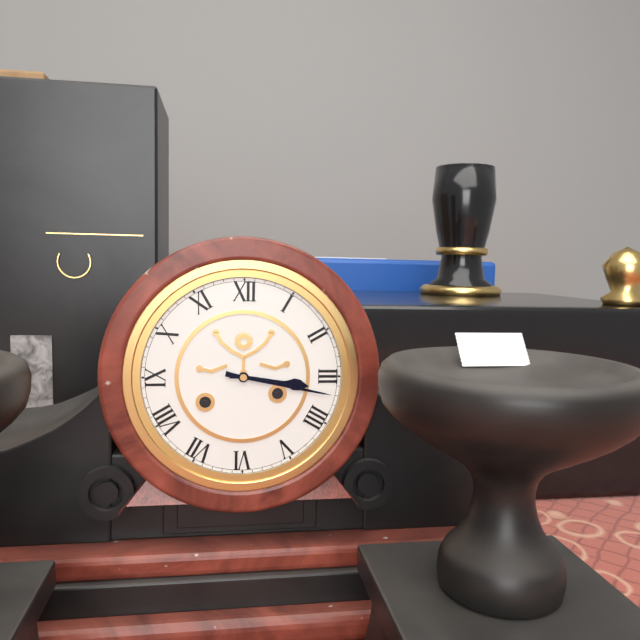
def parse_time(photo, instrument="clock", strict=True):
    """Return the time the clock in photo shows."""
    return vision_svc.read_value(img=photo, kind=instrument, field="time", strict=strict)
3:17
